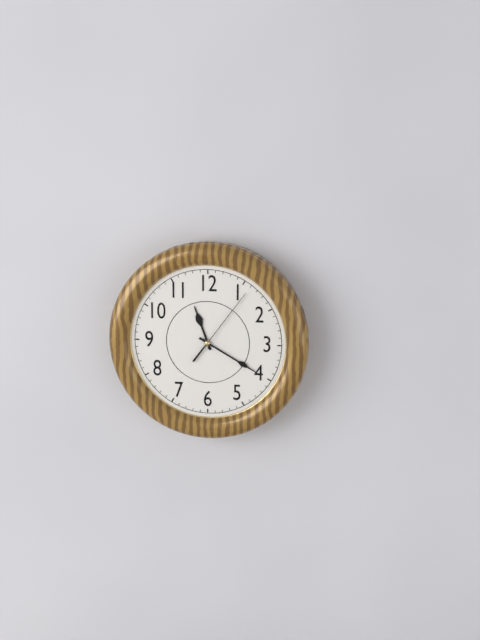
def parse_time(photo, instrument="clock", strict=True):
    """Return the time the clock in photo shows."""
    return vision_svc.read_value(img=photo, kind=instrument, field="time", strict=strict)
11:20:06
